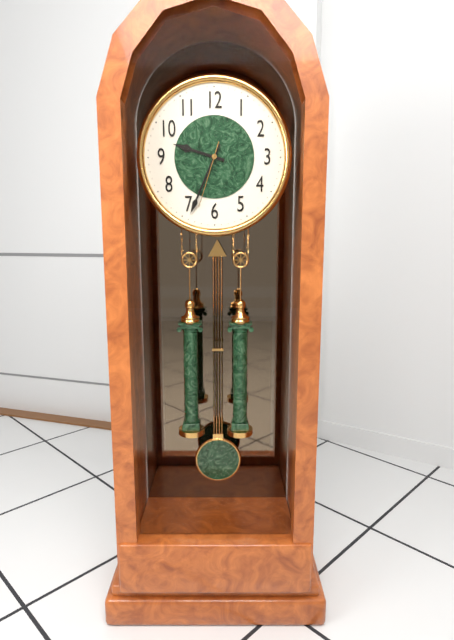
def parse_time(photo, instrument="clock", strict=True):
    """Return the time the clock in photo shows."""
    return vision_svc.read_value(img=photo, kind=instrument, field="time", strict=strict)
9:34:33
